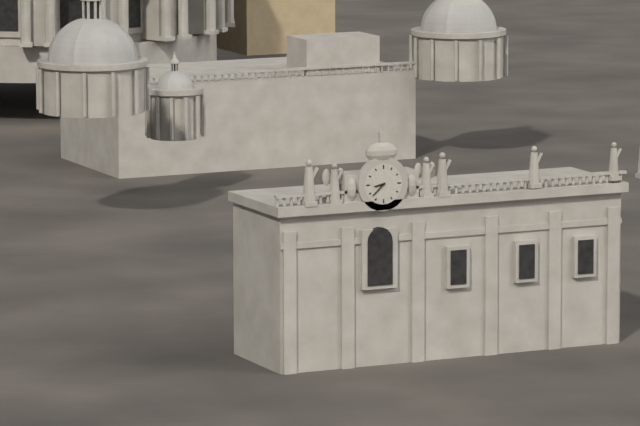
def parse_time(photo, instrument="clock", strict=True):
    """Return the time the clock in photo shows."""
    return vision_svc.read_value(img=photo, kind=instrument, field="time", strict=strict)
8:38
